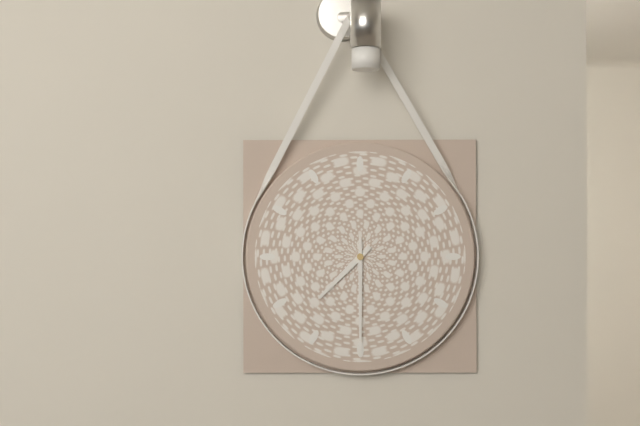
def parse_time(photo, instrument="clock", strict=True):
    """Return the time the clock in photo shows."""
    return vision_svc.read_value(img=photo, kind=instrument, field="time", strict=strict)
7:30
